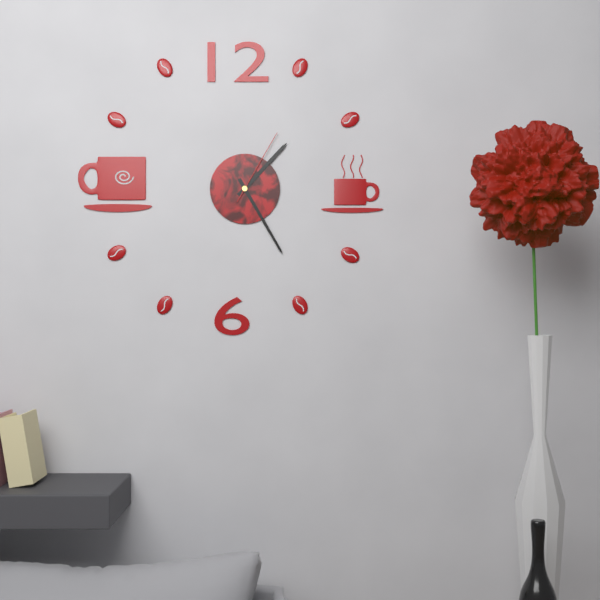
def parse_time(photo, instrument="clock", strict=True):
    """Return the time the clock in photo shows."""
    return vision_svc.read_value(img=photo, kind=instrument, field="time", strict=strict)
1:25:05
